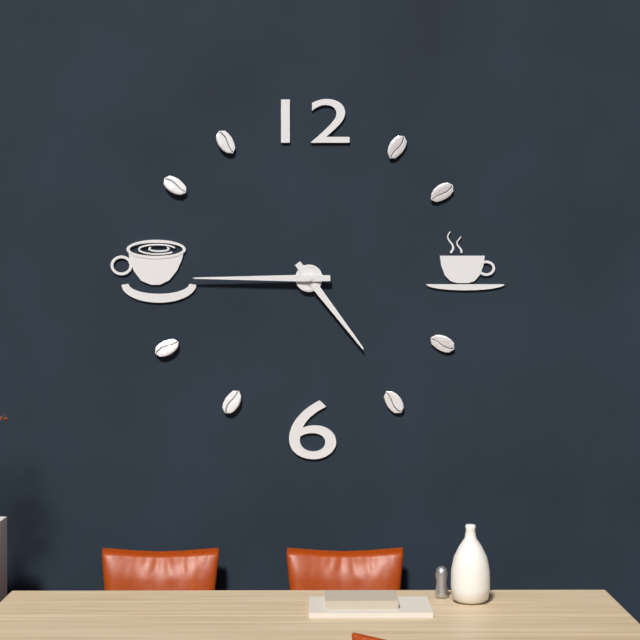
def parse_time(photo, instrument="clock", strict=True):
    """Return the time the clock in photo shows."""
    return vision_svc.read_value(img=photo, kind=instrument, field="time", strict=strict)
4:45
